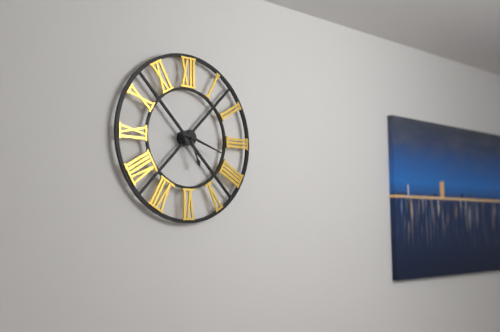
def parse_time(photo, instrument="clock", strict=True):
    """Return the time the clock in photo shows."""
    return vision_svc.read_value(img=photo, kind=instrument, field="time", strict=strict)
5:18
